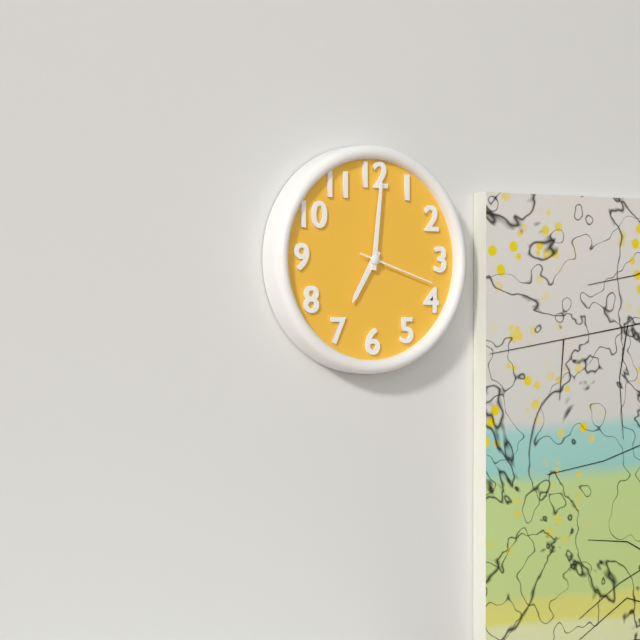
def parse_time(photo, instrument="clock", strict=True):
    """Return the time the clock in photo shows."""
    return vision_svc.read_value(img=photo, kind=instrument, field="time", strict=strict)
7:01:18
